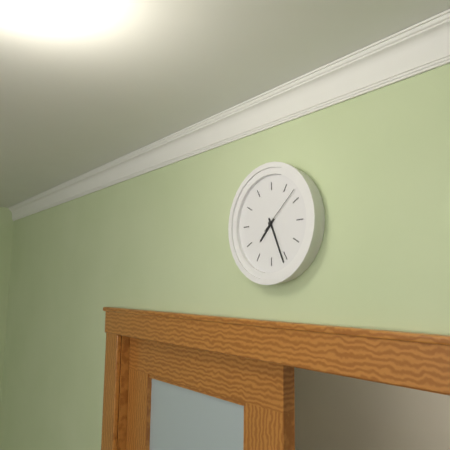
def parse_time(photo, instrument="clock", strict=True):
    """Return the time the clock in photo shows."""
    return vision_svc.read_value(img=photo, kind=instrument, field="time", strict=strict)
7:26:08
